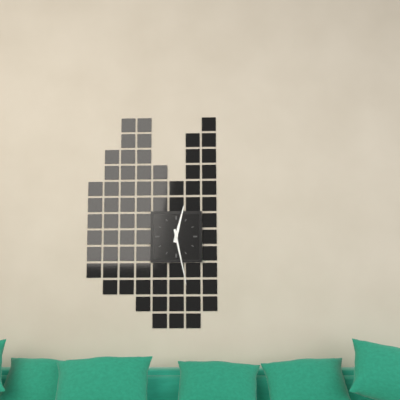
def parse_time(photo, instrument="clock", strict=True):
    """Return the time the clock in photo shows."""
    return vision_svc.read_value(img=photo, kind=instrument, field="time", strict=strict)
12:28
